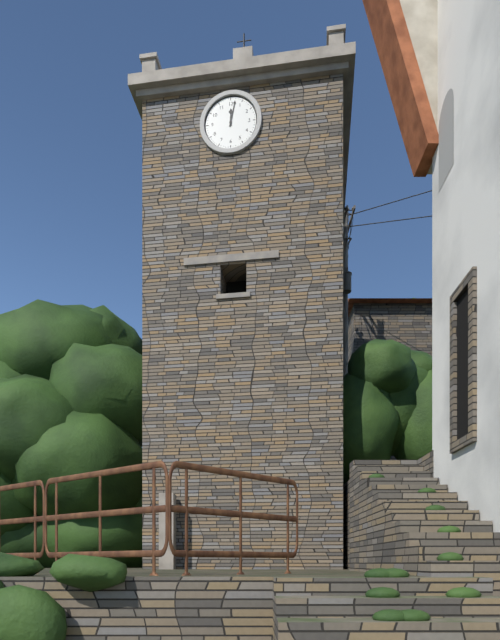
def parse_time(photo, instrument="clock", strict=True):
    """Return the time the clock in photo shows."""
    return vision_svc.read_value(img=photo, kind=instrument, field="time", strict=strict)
12:02
